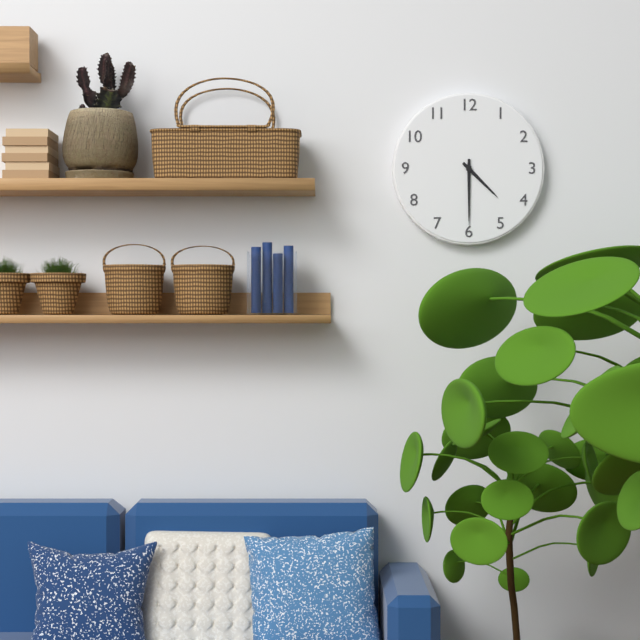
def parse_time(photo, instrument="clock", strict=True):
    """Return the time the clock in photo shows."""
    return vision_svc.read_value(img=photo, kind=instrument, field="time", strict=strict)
4:30
